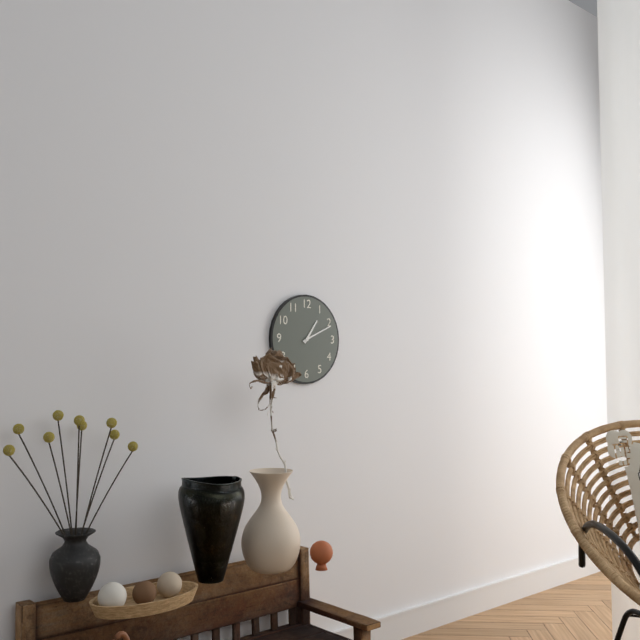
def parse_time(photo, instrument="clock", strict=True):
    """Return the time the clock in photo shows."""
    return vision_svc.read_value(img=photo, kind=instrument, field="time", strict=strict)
1:11
